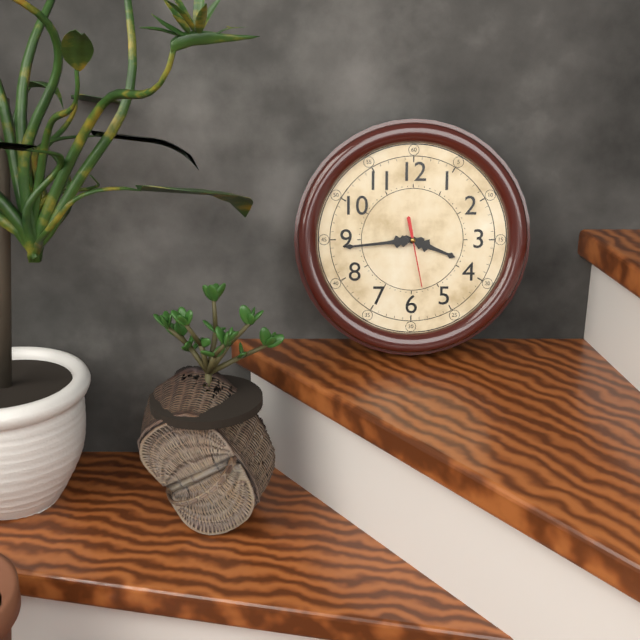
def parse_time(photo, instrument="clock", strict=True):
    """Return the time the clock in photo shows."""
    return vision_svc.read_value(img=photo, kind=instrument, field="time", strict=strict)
3:44:28
